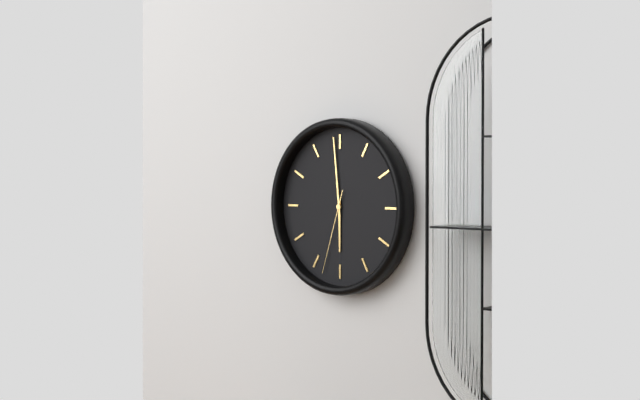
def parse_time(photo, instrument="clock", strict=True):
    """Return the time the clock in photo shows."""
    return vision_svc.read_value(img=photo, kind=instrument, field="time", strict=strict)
5:59:33
